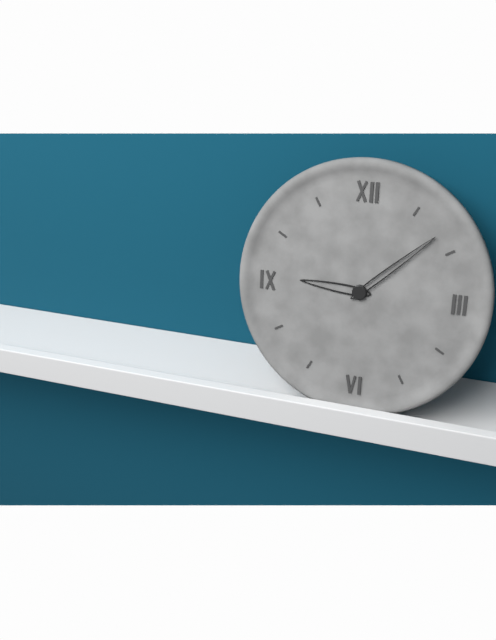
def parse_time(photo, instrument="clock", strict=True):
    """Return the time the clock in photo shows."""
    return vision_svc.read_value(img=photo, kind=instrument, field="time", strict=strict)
9:08
